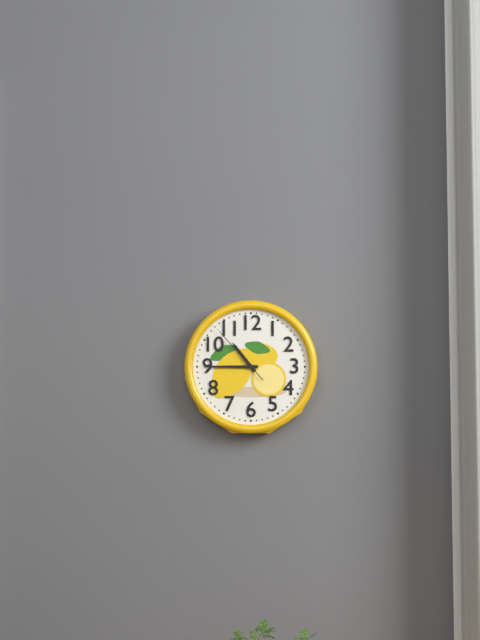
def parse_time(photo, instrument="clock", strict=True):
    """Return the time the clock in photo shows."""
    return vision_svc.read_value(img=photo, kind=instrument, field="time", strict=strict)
10:45:53
